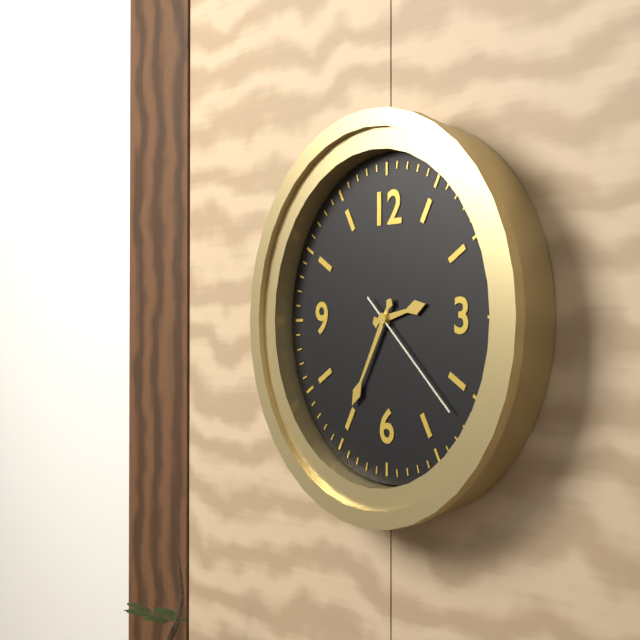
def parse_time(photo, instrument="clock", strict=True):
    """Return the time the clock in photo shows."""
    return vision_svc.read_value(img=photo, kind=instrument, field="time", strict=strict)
2:35:22
